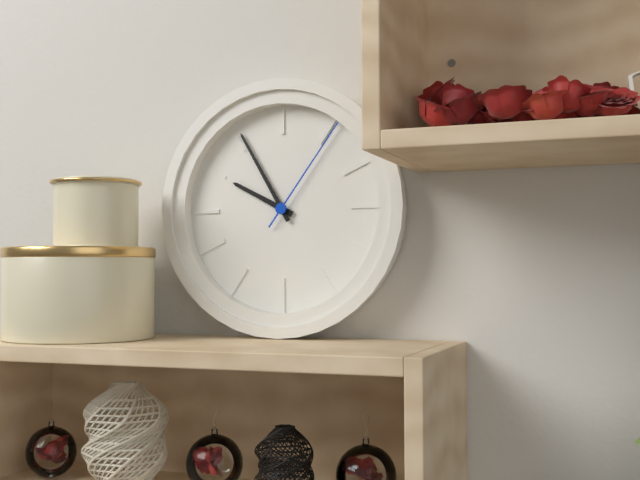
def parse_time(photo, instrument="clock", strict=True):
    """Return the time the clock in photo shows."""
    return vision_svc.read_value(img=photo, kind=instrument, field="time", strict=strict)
9:55:06
